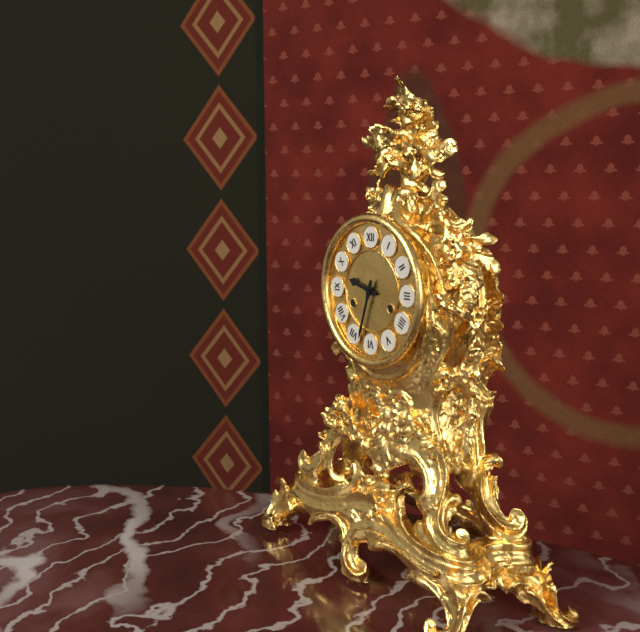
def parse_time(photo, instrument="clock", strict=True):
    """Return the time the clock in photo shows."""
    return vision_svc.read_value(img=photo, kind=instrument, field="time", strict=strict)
9:33
